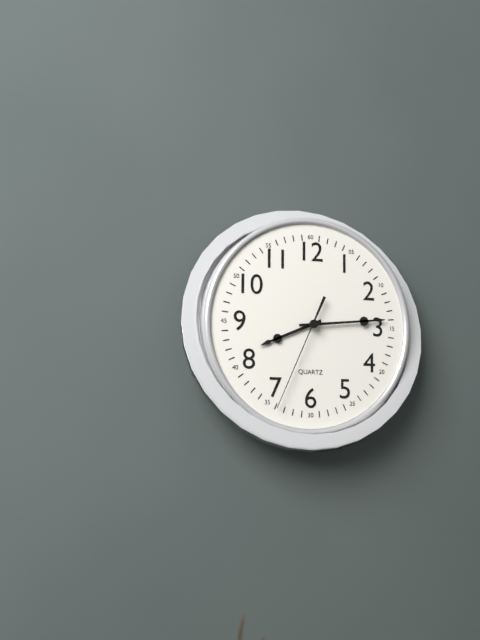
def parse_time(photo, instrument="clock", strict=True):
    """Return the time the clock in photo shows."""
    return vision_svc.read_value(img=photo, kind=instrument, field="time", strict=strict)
8:14:34
